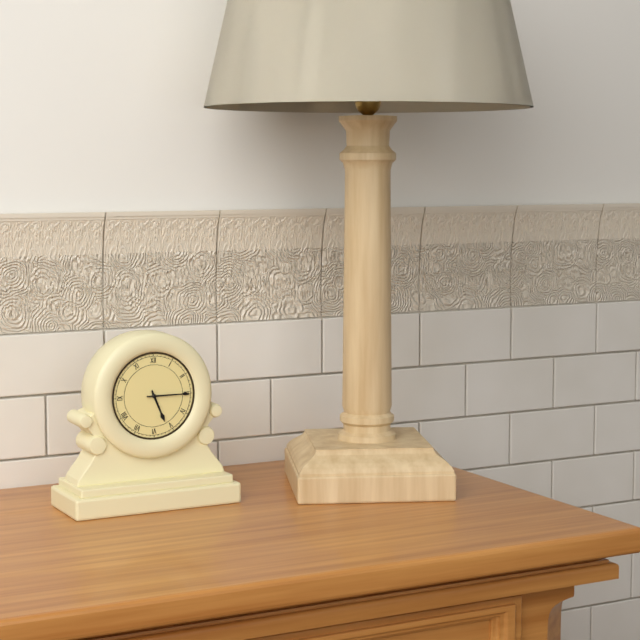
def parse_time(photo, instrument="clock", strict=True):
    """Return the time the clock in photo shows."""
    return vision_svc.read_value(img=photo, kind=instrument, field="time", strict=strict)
5:15
